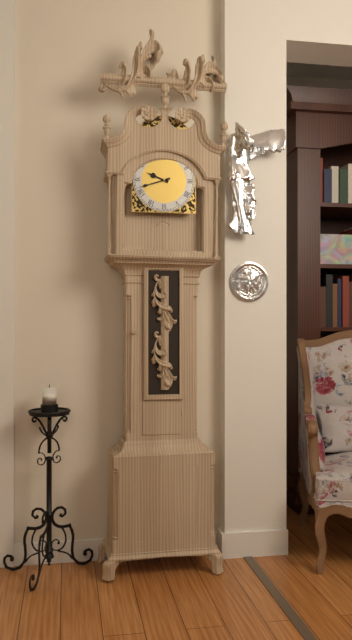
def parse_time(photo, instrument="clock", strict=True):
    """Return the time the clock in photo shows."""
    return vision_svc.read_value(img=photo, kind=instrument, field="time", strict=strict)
9:42
